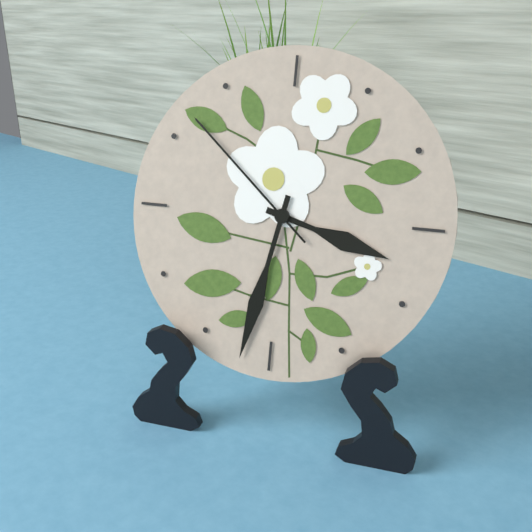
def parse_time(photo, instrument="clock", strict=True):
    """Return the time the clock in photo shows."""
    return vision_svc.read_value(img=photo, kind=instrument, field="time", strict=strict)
3:32:52
